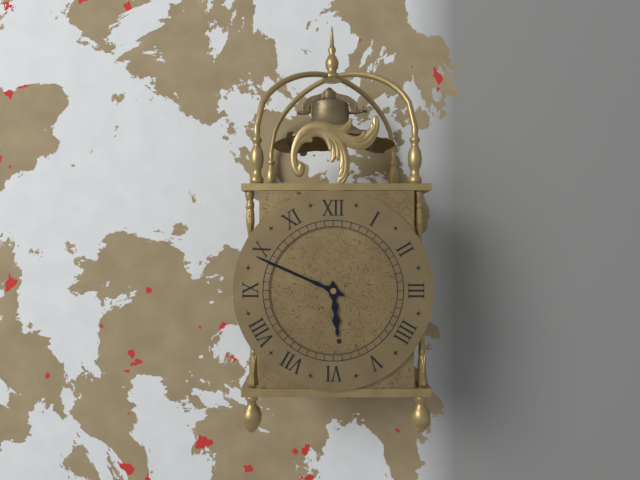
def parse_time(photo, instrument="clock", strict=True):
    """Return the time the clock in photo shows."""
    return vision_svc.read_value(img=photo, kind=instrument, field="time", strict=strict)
5:49
